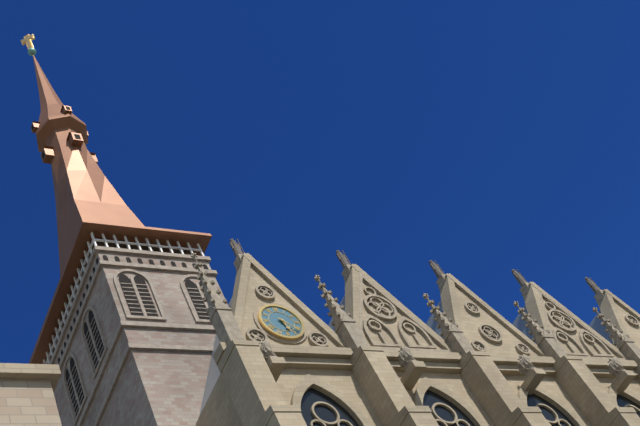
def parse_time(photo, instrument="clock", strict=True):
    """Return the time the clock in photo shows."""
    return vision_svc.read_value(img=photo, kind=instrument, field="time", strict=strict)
5:22
